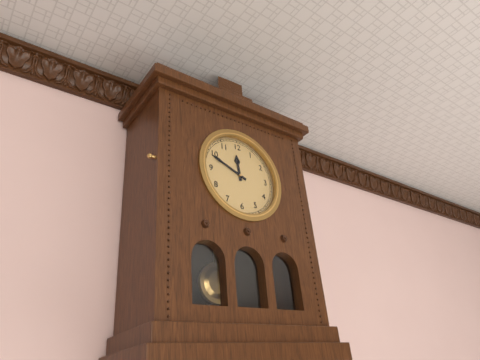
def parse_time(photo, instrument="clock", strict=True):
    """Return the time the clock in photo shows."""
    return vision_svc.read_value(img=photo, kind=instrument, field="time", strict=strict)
11:49
